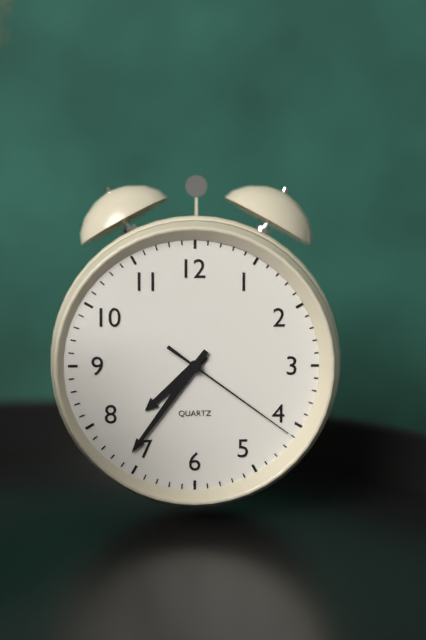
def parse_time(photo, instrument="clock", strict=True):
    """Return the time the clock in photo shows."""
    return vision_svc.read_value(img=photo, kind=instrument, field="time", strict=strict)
7:36:21
